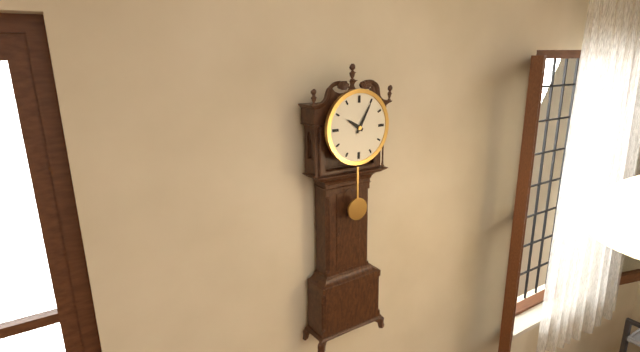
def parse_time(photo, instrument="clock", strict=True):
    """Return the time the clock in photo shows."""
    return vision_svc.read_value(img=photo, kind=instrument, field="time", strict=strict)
10:05
